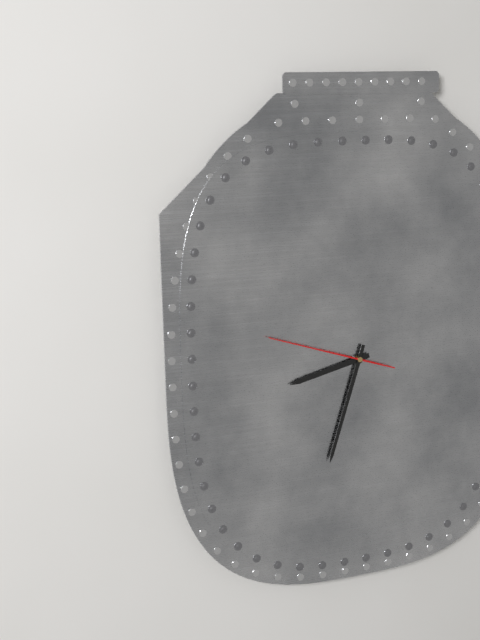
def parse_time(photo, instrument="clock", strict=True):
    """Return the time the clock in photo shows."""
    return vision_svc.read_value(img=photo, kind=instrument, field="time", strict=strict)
8:33:48
